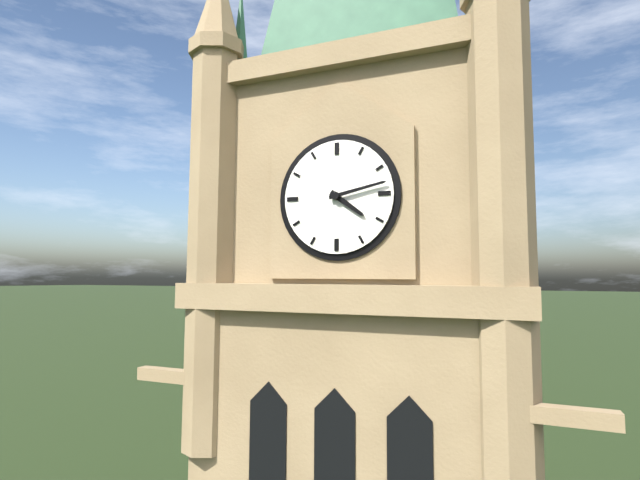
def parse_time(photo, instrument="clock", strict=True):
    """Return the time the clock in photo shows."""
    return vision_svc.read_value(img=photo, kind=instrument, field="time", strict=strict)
4:13
